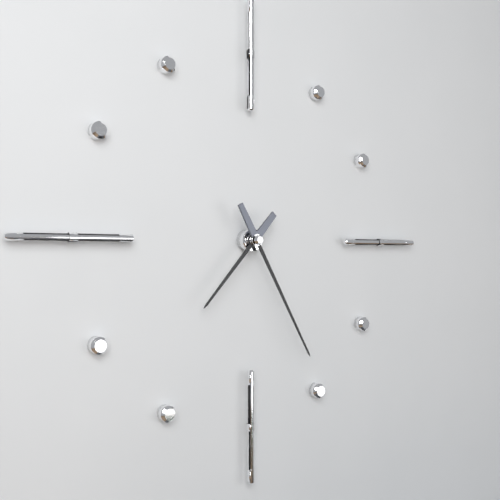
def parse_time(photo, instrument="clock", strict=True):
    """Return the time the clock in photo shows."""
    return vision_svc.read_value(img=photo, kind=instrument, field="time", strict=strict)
7:25
